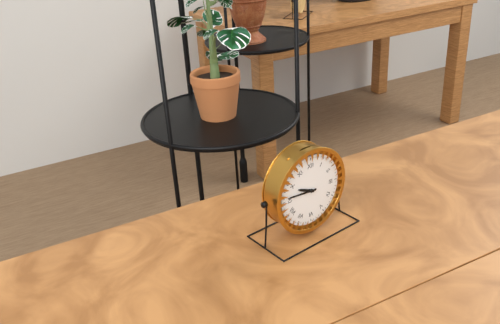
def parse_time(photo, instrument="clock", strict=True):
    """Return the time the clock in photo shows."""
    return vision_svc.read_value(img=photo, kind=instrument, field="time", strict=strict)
9:46
